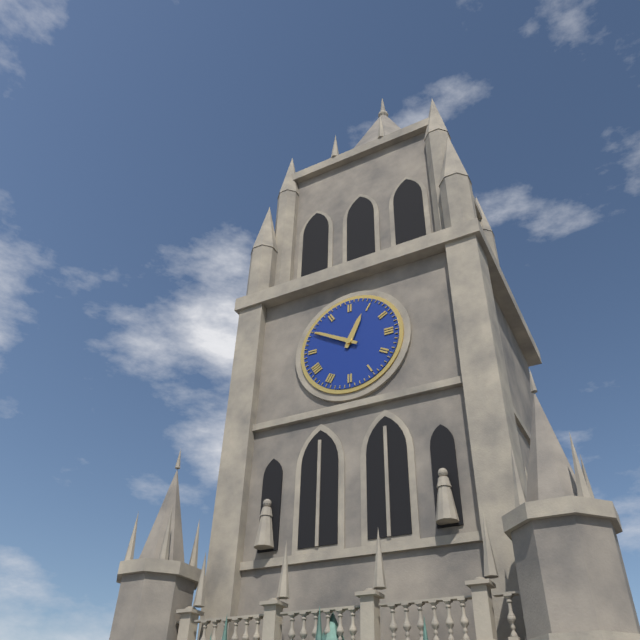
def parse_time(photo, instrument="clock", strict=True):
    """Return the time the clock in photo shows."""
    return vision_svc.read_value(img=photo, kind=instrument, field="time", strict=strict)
12:50
